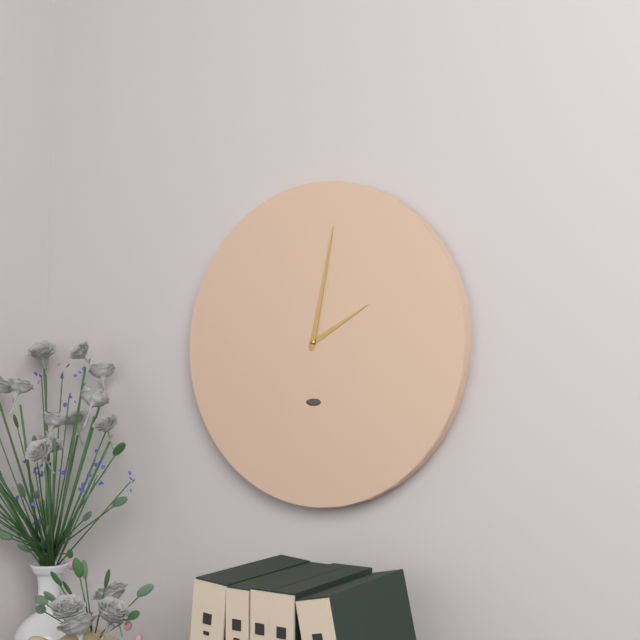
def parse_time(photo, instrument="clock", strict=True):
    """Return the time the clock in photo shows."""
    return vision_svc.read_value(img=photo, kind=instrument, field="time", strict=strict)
2:02
